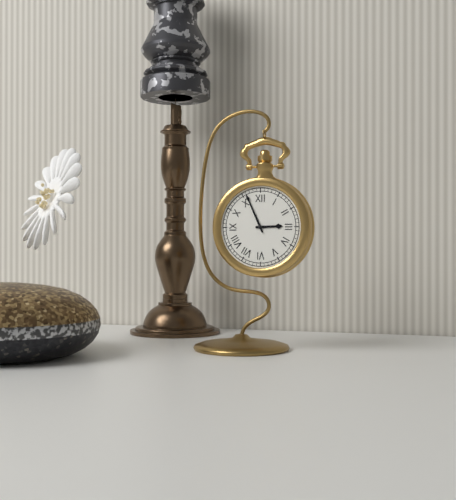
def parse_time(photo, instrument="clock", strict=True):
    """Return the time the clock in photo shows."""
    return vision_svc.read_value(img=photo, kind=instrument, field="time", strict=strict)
2:56
